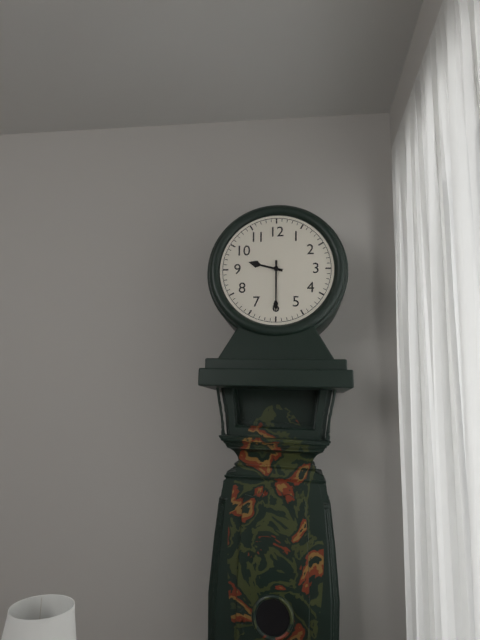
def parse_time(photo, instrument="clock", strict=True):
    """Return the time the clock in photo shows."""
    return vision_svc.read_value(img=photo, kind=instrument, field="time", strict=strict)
9:30
